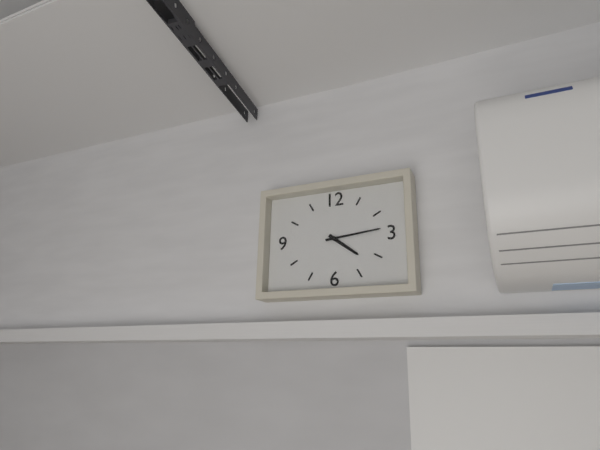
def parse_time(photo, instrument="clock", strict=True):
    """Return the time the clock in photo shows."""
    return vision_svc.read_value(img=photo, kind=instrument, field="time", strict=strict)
4:14
